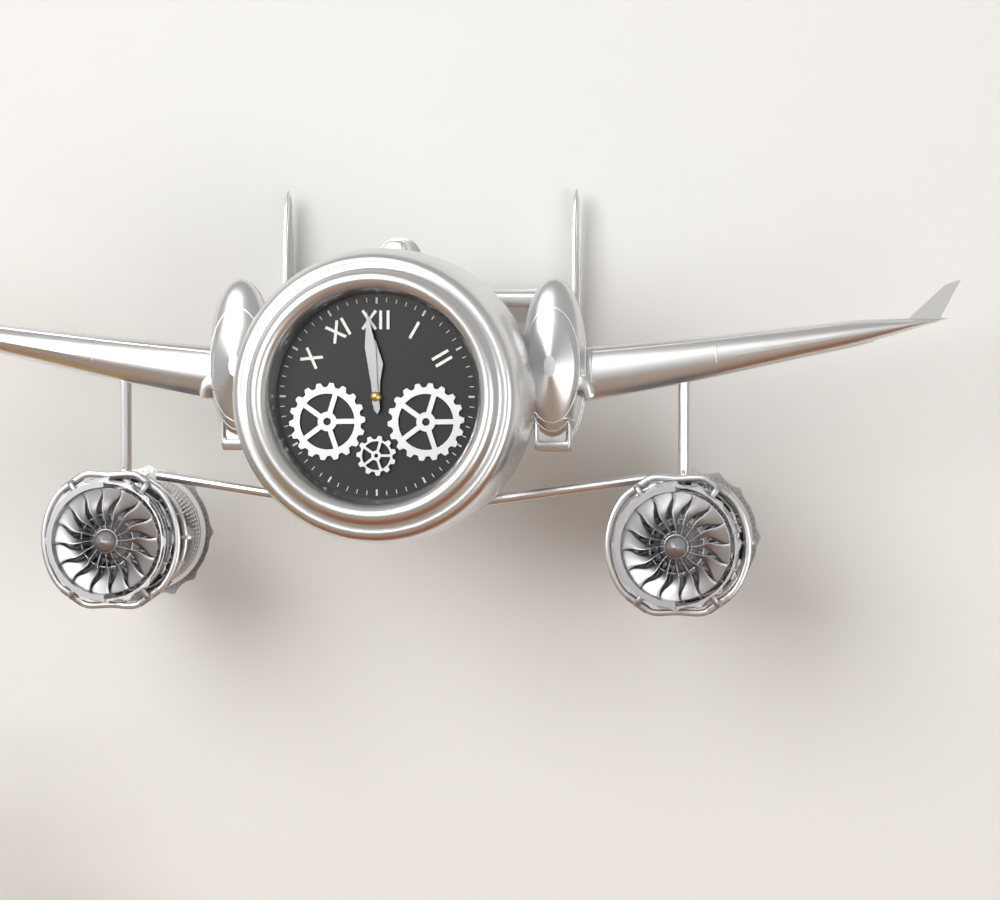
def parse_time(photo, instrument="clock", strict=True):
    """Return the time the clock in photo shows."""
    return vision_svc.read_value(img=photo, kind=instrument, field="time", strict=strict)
11:59
